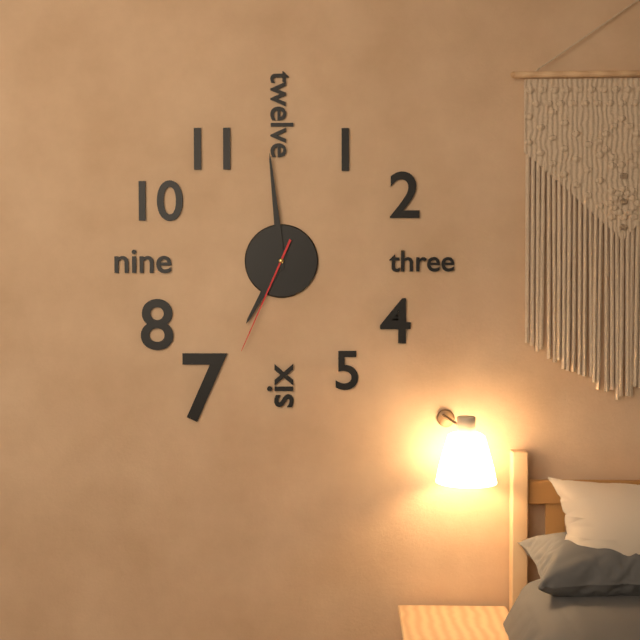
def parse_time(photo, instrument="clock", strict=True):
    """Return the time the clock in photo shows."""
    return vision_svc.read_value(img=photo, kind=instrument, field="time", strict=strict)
6:59:34
